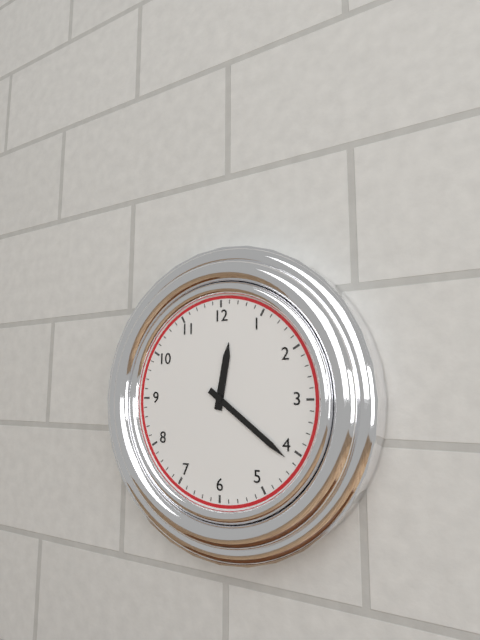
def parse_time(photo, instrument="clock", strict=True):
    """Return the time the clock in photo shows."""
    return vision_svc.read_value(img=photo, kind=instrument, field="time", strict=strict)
12:21
